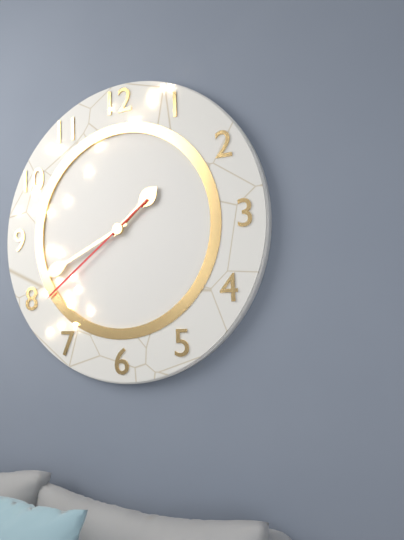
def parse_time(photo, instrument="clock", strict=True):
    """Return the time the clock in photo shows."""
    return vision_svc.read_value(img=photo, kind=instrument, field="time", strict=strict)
1:41:39
